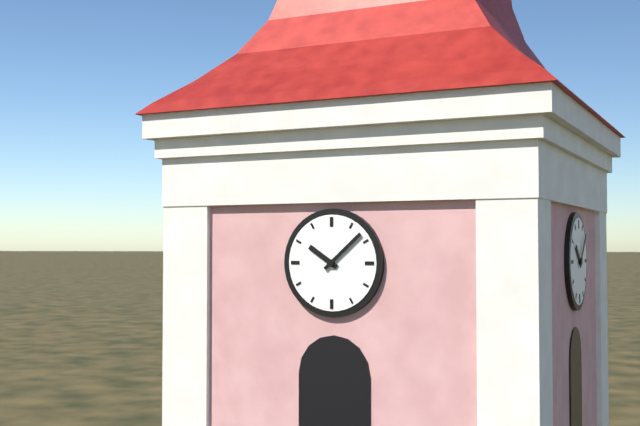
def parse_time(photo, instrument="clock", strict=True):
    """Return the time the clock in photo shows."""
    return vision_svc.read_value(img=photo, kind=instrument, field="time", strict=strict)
10:08
